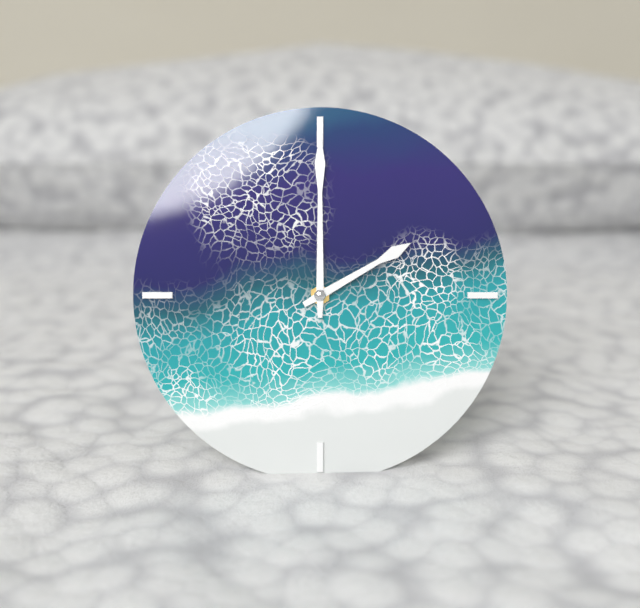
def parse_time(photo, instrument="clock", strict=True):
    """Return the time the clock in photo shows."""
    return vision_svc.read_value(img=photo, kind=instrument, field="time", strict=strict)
2:00
